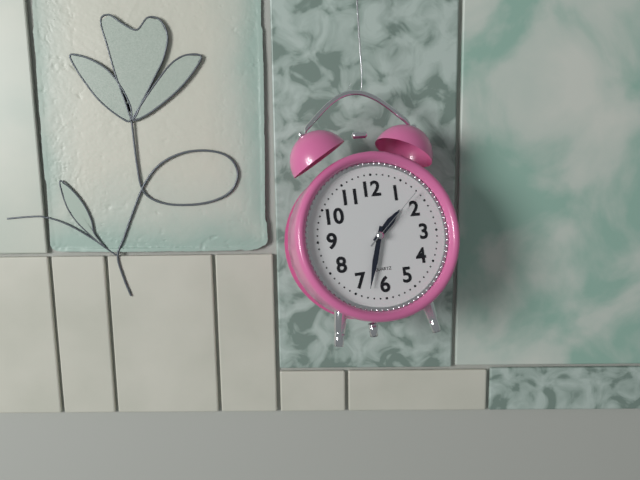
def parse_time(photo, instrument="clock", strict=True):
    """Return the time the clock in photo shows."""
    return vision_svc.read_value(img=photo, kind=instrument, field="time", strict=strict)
1:33:08
